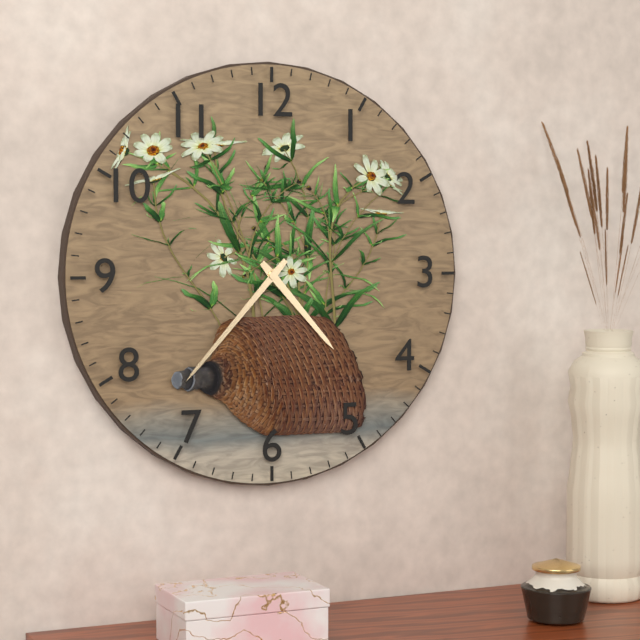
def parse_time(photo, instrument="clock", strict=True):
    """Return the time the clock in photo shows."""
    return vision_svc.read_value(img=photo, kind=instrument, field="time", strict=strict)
4:37
